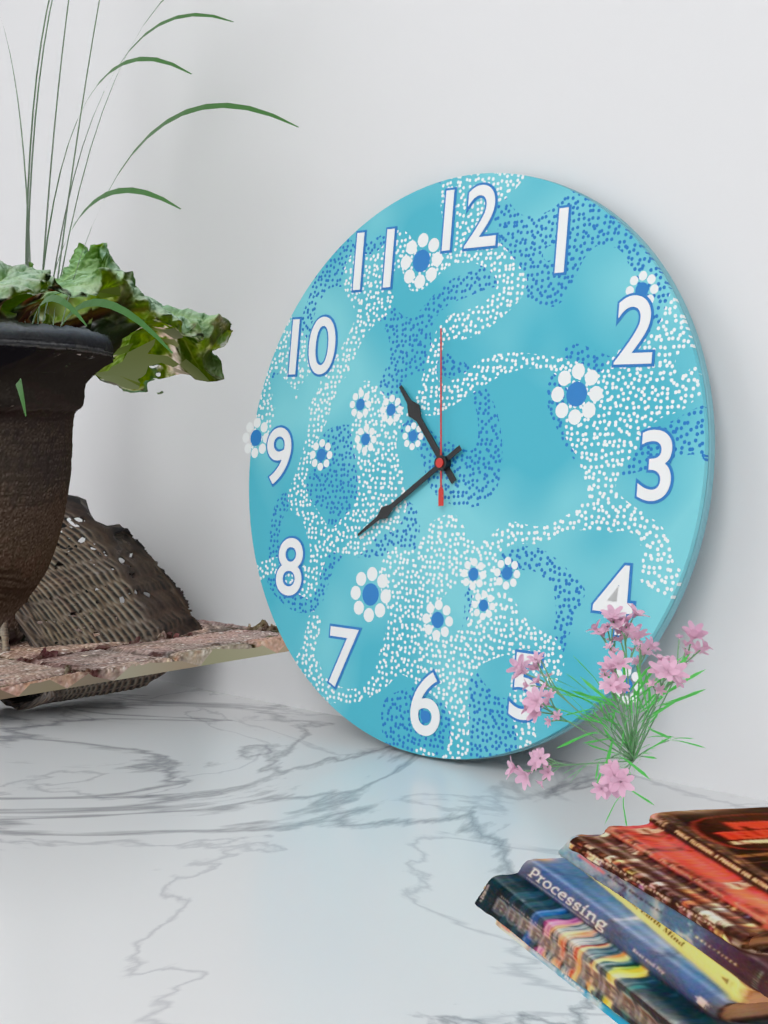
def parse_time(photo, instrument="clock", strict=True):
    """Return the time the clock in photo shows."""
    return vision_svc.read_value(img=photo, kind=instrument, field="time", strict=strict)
10:39:59
